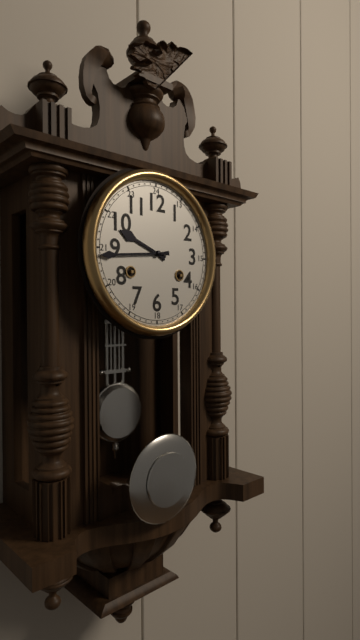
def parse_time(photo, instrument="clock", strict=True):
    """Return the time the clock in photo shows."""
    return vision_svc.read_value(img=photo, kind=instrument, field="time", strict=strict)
9:44
